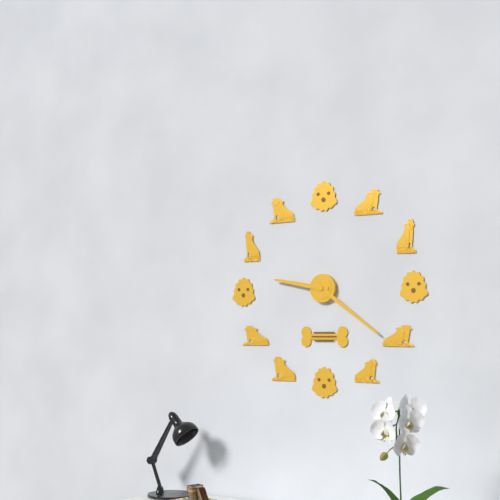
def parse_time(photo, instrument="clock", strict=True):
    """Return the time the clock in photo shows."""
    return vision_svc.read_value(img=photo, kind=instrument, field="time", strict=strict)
9:21
